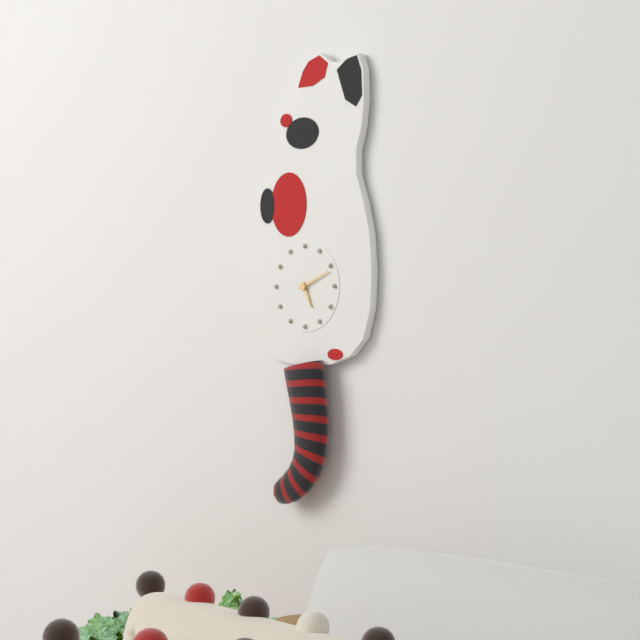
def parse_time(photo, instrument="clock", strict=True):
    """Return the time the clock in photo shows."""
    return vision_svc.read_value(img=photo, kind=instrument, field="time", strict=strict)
5:11
